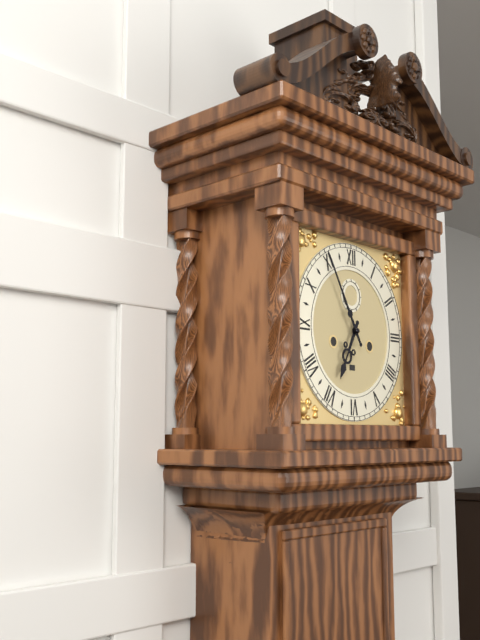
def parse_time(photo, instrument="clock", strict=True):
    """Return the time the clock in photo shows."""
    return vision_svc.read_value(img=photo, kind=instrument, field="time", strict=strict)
6:55
